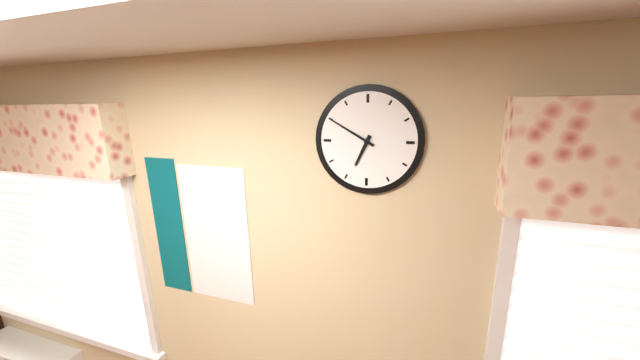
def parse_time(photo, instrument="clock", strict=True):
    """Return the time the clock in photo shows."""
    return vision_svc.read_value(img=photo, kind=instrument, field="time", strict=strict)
6:50
